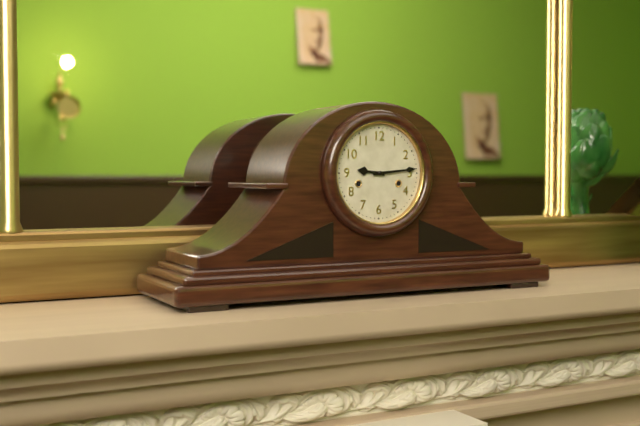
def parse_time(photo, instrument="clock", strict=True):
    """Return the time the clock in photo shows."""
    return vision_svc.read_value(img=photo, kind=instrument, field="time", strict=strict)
9:14
